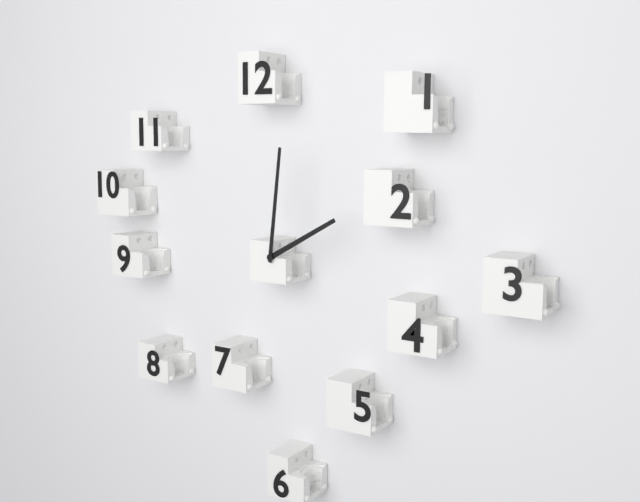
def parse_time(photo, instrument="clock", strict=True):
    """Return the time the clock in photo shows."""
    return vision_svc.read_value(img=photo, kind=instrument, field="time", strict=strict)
2:01
